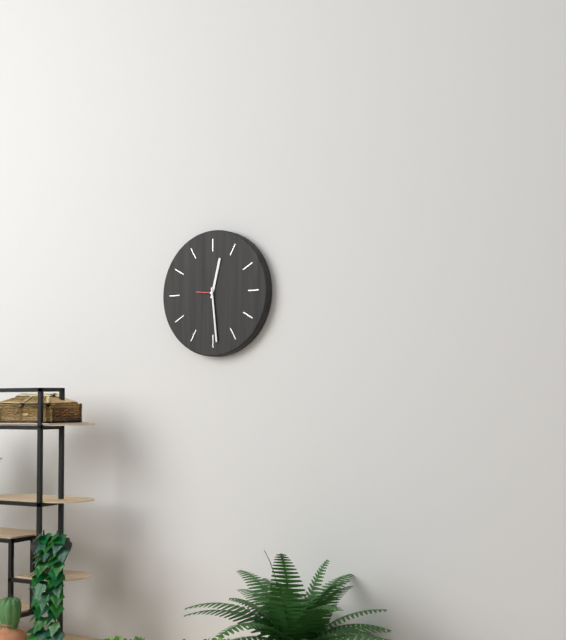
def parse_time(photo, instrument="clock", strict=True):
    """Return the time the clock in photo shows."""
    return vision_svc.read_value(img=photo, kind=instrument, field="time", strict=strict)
12:29
